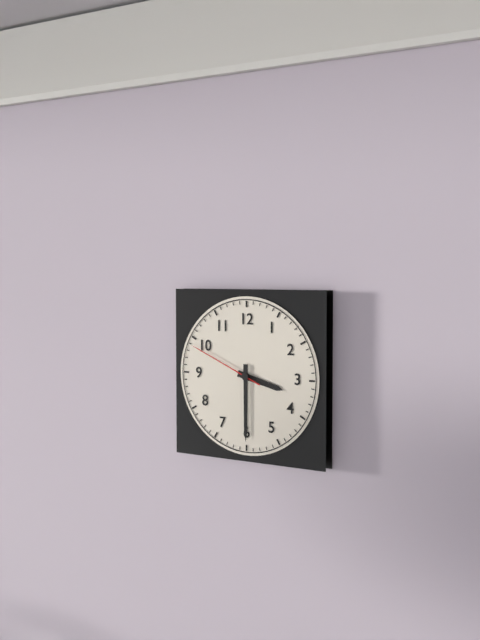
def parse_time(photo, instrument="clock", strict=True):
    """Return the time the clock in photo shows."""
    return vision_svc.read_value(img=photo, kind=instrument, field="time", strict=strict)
3:30:49
